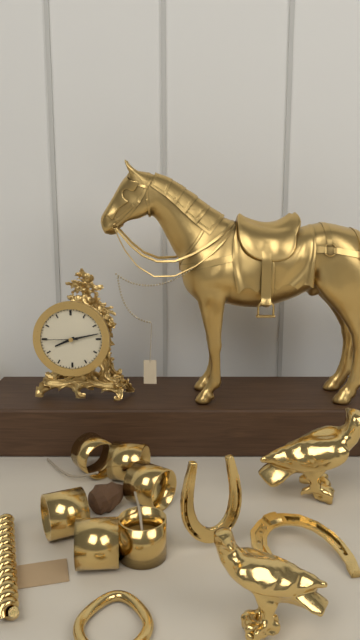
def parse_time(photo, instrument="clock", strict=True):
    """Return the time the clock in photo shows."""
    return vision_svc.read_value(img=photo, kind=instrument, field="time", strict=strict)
8:13
